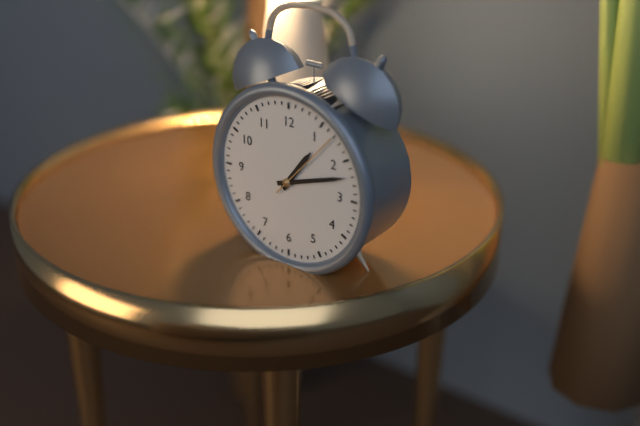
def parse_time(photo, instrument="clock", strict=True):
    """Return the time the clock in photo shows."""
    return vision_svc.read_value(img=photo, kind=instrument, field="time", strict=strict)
1:12:07
